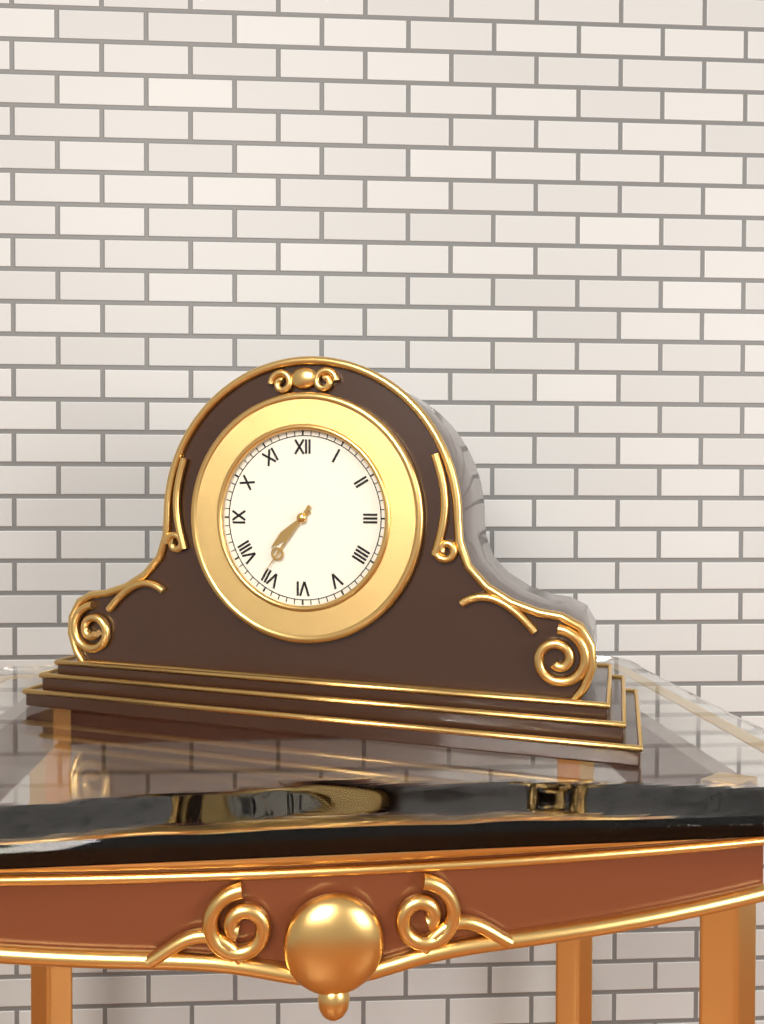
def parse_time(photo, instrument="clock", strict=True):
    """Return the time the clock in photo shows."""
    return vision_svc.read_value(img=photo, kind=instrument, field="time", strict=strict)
7:36
